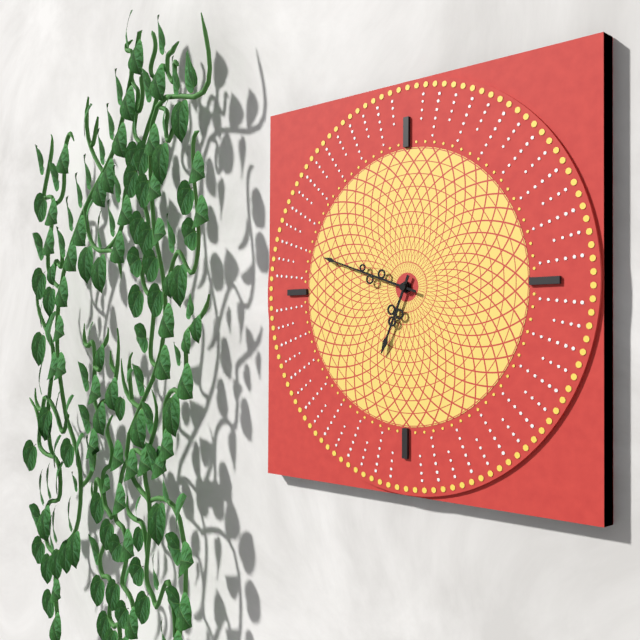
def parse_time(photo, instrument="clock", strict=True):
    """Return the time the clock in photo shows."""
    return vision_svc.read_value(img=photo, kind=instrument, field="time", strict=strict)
6:48
